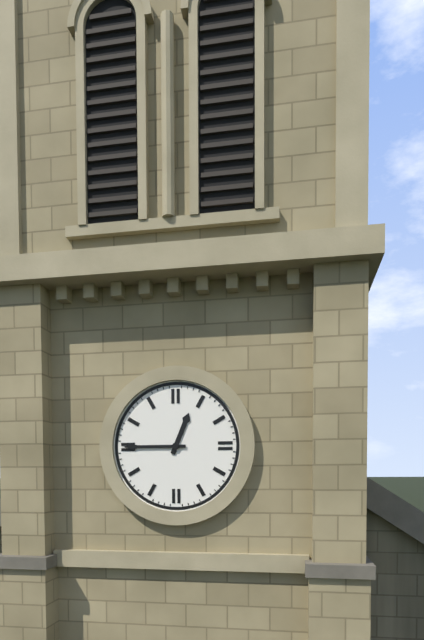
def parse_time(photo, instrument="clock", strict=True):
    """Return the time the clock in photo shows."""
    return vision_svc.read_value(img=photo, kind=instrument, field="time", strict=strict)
12:45
